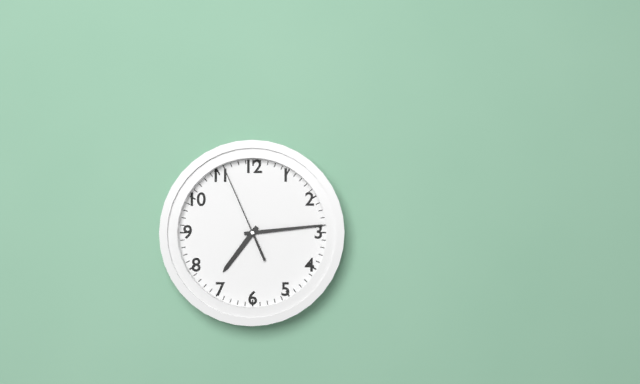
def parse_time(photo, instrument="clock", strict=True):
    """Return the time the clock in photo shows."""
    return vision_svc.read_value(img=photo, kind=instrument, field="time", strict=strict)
7:14:56
